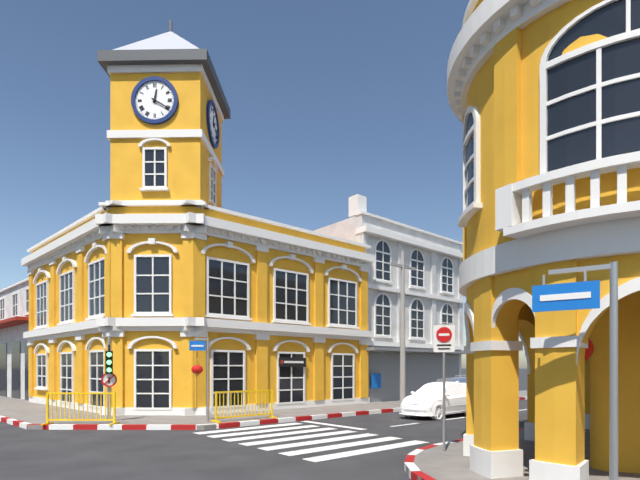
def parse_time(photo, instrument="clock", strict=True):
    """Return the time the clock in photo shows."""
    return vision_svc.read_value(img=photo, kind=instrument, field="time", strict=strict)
12:20
